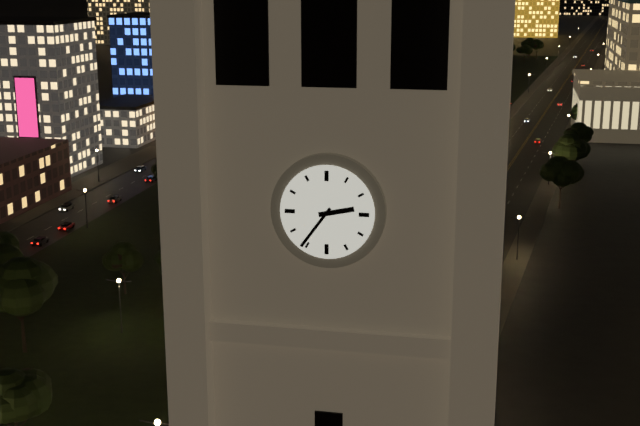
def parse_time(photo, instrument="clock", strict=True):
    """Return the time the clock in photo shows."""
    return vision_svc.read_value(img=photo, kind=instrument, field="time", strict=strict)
2:36
